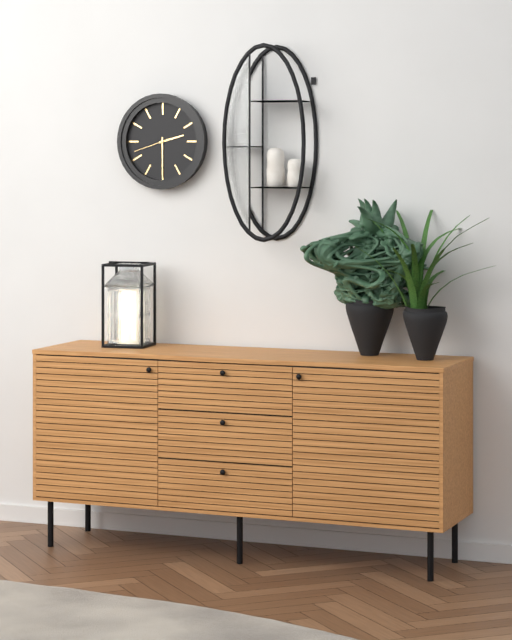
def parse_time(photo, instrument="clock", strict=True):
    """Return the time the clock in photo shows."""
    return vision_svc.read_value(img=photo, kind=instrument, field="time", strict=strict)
2:30
